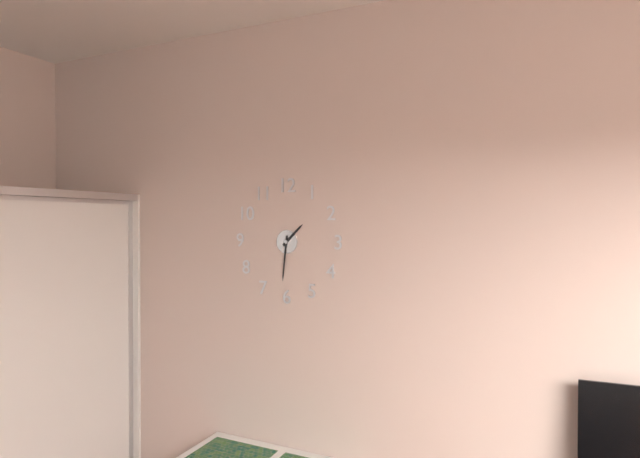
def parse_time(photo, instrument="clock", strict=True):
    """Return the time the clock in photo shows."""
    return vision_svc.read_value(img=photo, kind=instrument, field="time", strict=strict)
1:31
